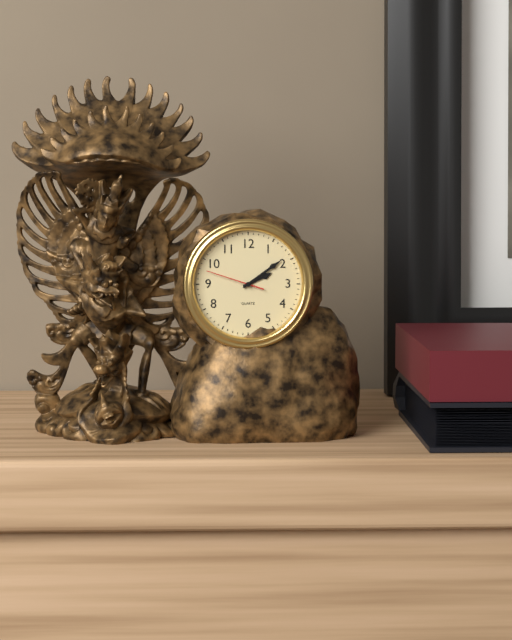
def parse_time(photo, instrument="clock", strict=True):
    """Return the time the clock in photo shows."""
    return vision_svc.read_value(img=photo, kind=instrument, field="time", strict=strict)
2:09:48
